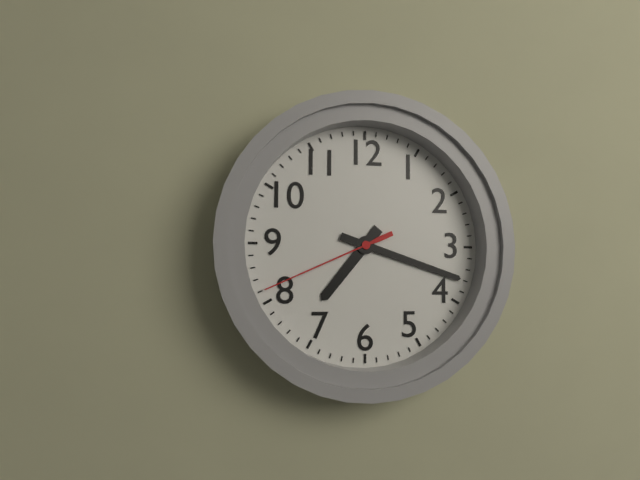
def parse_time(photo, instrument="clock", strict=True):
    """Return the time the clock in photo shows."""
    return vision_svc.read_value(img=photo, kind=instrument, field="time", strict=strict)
7:18:41
